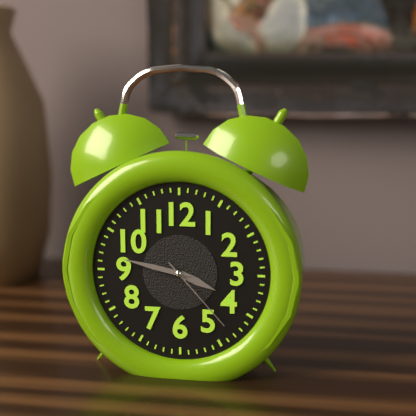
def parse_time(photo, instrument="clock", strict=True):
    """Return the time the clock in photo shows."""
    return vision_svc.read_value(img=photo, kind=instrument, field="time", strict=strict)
3:47:23
